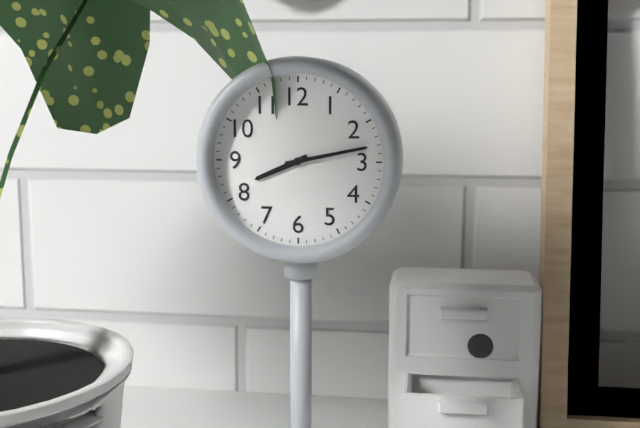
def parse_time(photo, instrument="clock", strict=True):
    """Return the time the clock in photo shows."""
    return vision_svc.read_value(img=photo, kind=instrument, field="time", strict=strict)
8:13
